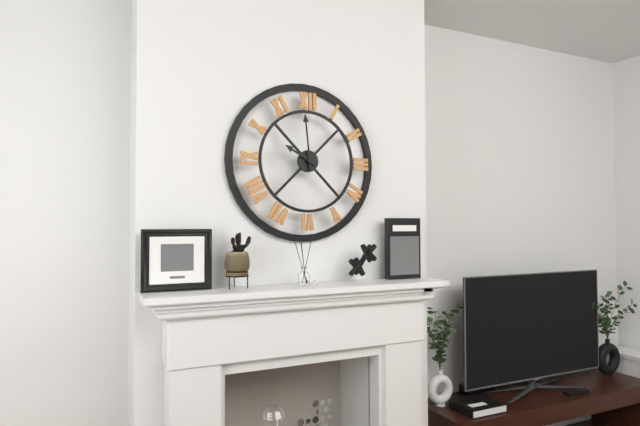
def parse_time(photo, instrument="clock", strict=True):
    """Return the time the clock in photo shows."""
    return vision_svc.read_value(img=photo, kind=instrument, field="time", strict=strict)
9:59
